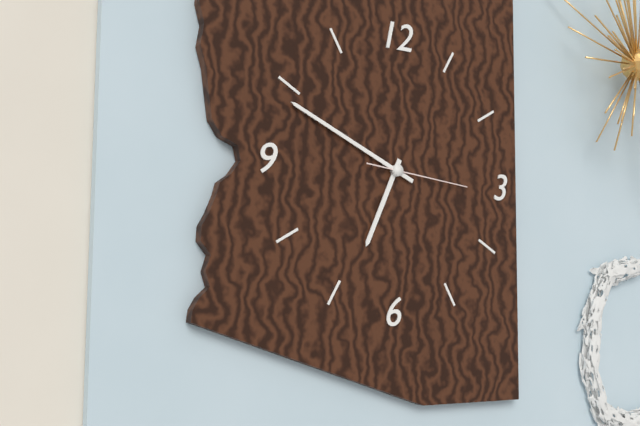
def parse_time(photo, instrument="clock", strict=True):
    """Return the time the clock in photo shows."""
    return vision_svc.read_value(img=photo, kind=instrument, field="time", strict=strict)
6:49:16
